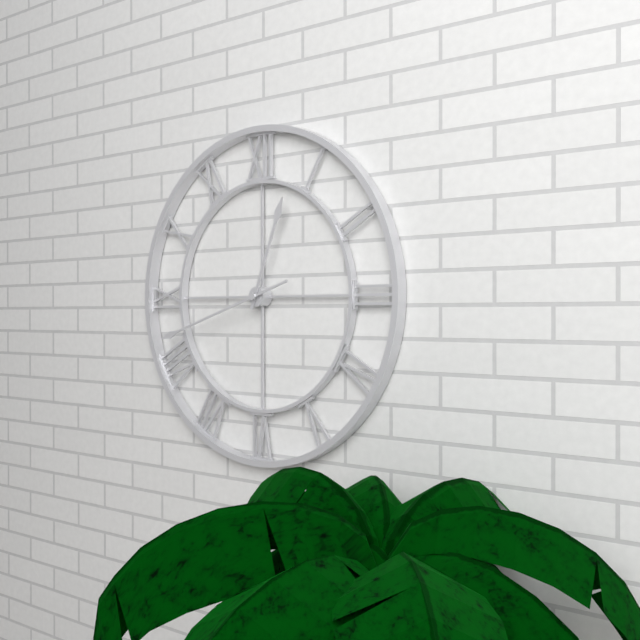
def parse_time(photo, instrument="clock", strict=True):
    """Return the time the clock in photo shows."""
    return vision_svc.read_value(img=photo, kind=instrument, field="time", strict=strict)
12:42
